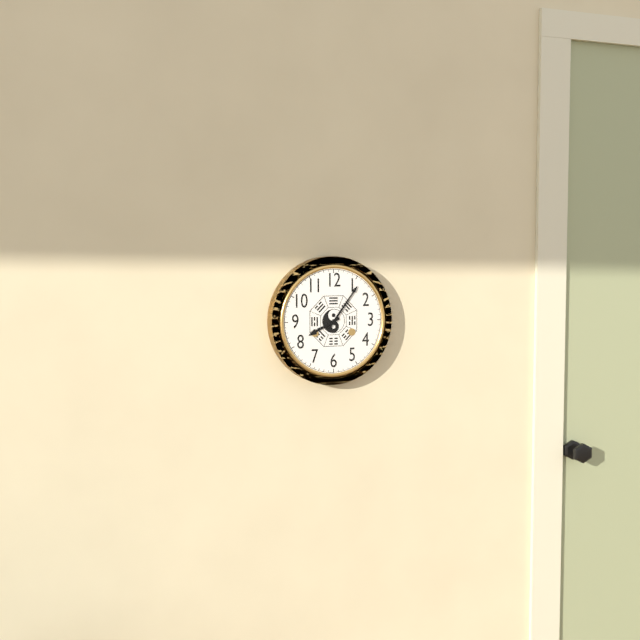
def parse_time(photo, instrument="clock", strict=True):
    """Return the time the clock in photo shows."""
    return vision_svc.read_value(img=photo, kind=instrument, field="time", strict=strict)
8:06
